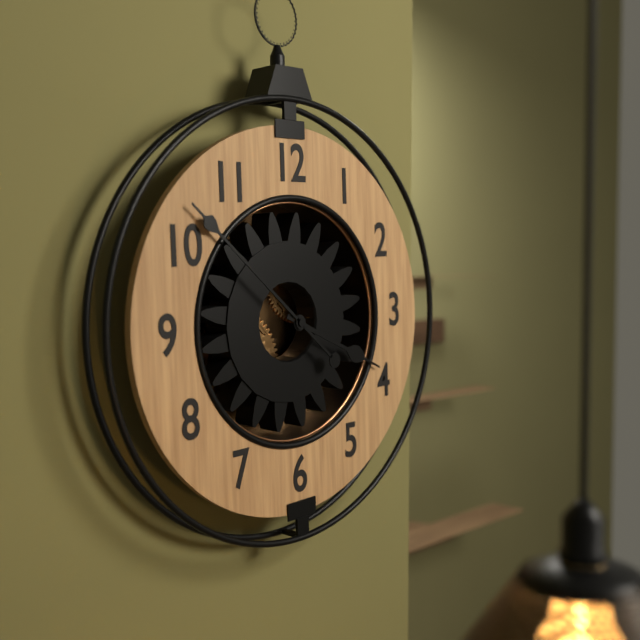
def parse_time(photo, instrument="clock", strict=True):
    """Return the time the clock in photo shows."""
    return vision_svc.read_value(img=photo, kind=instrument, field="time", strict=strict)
3:52
